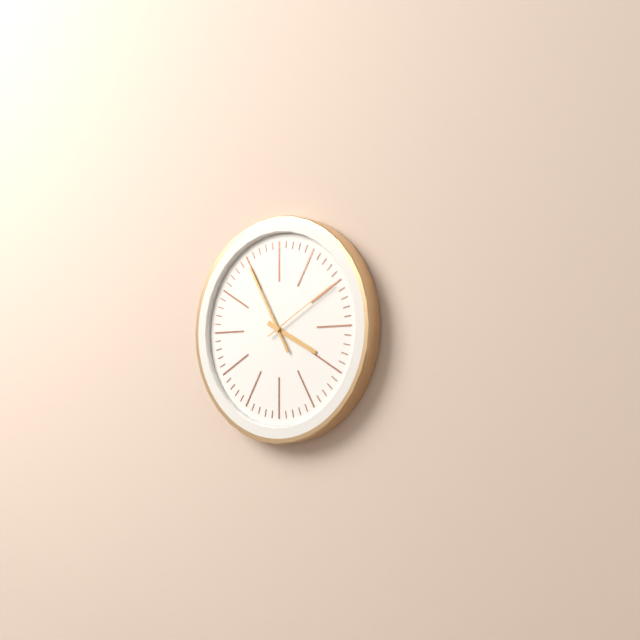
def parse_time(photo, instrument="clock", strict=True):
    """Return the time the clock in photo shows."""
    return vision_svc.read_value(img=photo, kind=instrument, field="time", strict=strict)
3:55:10
